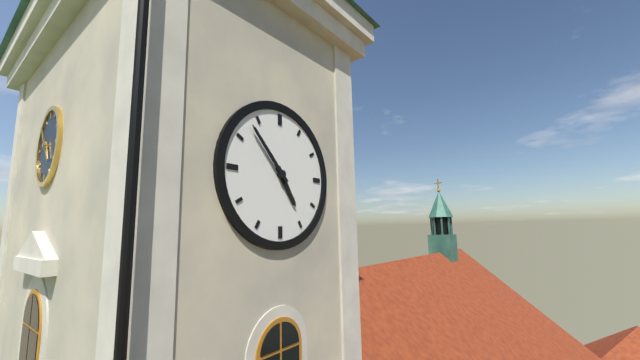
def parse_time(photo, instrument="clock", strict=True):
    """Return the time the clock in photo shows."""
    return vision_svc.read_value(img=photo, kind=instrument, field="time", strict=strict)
4:53
